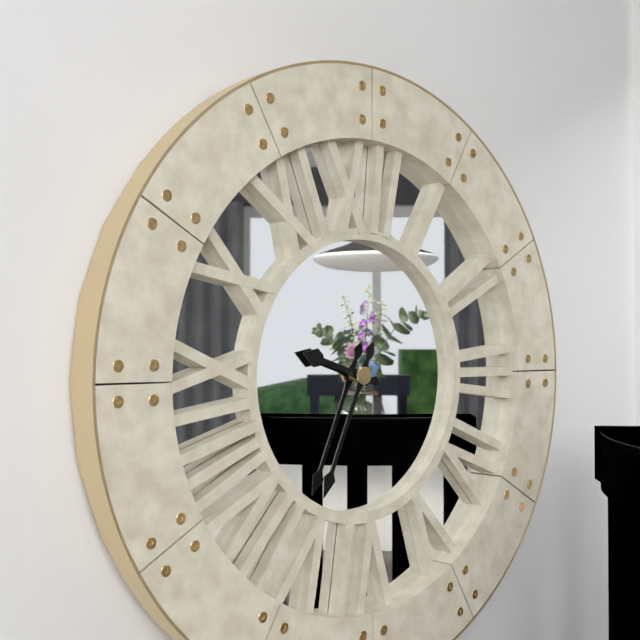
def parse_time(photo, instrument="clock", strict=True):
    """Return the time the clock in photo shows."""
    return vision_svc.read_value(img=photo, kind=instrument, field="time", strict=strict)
9:34
